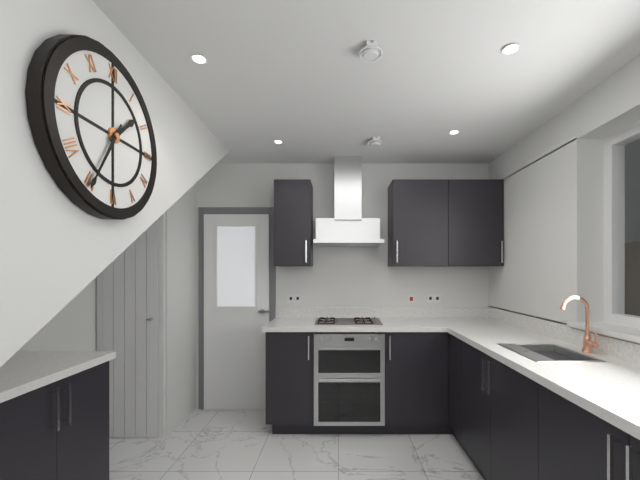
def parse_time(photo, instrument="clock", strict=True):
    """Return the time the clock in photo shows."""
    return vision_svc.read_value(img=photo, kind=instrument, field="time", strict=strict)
1:35
